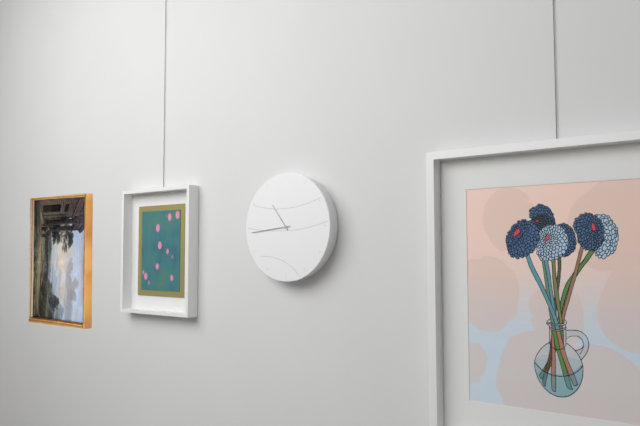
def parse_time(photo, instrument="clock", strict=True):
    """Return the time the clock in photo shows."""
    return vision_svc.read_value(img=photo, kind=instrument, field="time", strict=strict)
10:44
